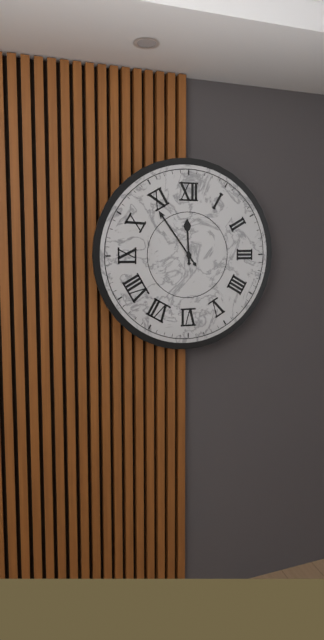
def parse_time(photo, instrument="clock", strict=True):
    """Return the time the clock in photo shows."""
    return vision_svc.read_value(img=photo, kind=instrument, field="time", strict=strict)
11:54
